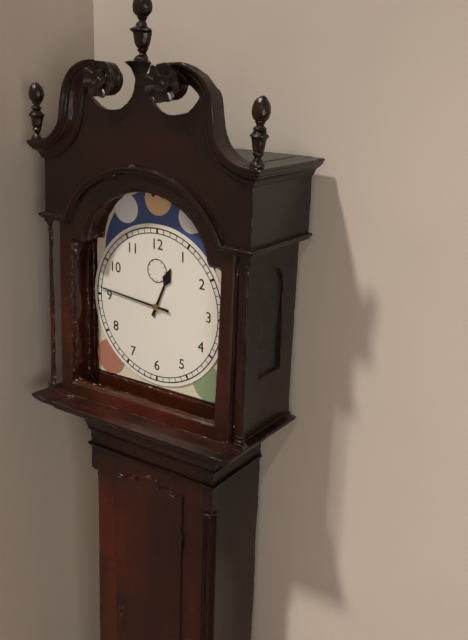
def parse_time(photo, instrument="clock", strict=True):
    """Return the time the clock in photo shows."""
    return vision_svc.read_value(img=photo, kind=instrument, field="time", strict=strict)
12:46
